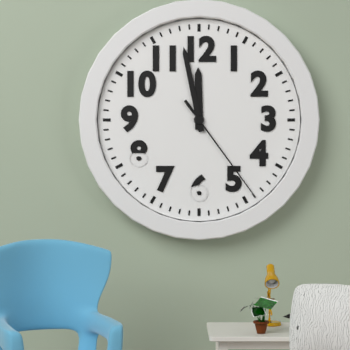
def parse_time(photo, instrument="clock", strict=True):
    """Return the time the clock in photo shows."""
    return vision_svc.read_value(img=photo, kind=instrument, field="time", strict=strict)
11:58:24
